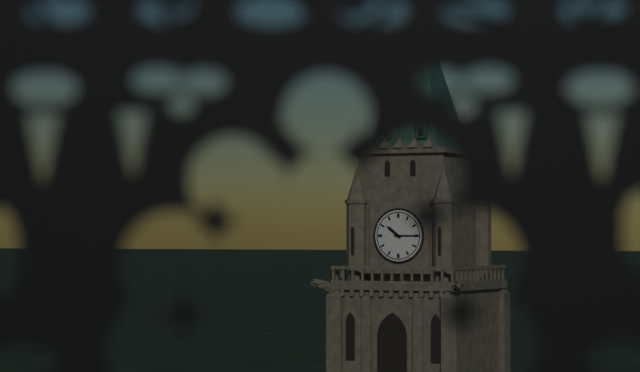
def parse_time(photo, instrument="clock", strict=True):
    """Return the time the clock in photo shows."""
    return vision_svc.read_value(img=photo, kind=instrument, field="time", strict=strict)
10:15
